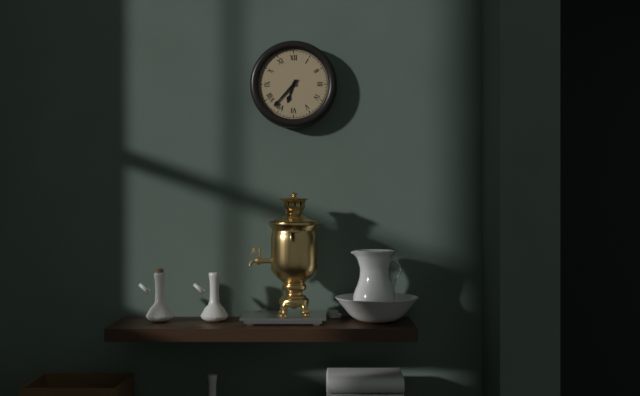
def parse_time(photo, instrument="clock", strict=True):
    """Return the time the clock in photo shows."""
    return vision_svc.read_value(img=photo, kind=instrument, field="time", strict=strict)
6:37
